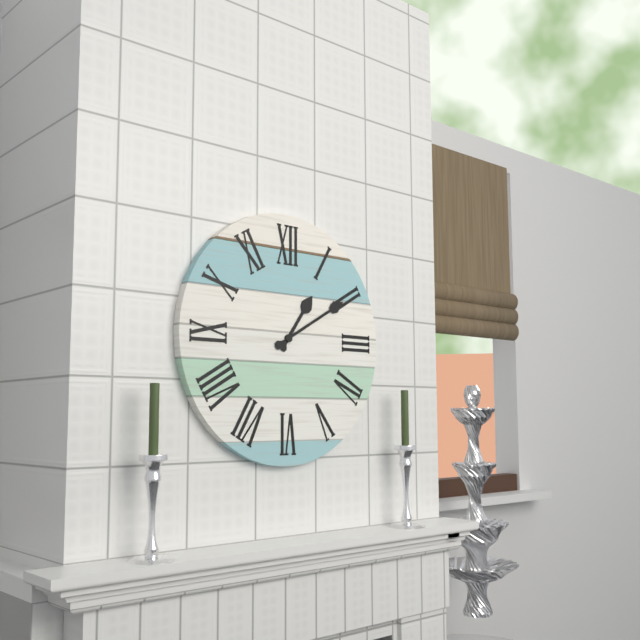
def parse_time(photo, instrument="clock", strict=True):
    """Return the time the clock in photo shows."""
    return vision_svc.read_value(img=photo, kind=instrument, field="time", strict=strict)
1:10
